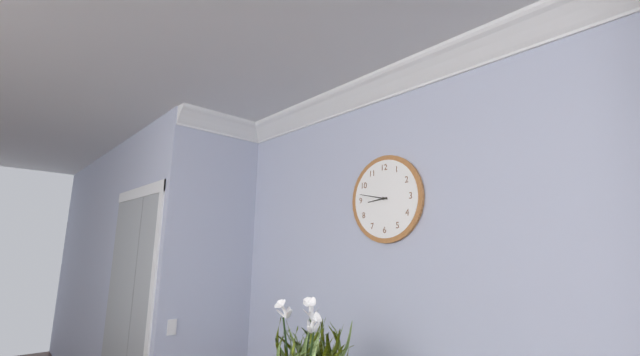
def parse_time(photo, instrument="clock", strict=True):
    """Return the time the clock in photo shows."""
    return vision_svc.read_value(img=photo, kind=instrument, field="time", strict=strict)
8:47
